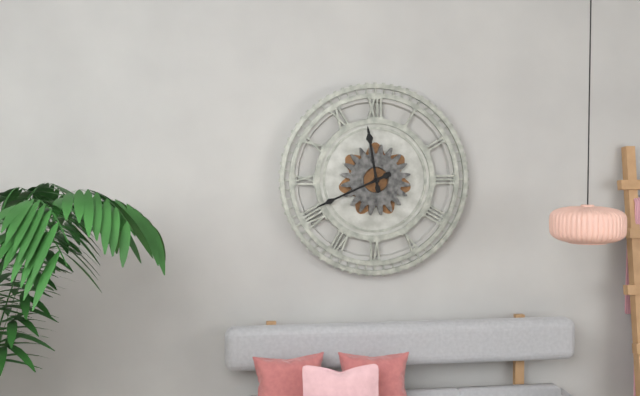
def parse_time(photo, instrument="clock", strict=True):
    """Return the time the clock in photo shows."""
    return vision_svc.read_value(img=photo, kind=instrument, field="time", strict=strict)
11:41
